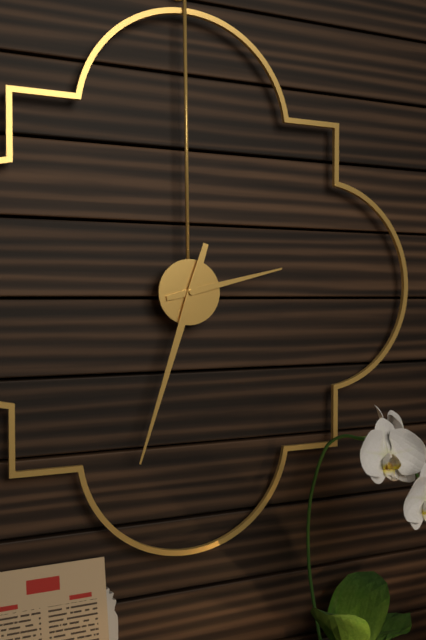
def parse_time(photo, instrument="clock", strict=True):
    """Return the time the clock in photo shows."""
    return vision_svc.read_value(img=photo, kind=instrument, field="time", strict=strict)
2:33
